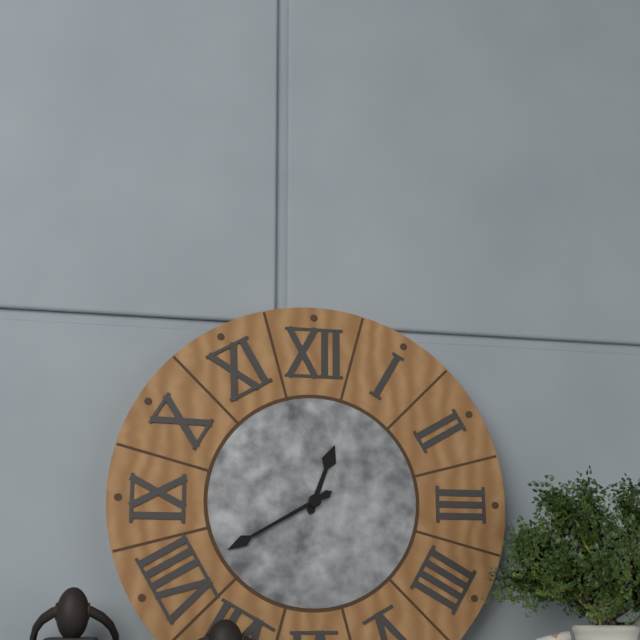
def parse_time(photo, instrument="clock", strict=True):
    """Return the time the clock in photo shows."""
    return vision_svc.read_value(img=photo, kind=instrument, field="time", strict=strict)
12:40
